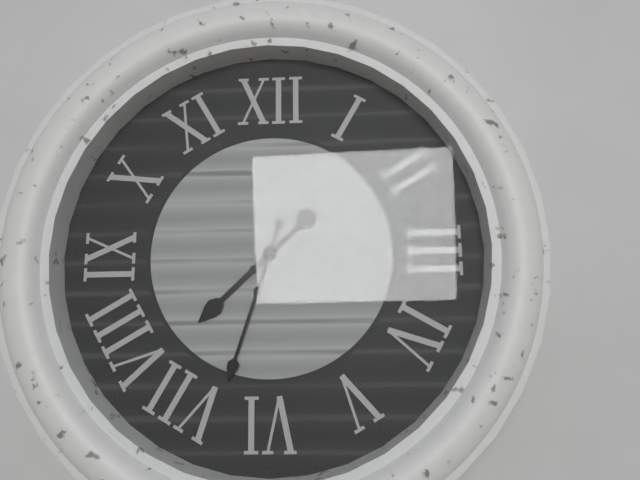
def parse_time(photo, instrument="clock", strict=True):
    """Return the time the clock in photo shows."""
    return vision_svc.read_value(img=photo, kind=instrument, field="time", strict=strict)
7:33
